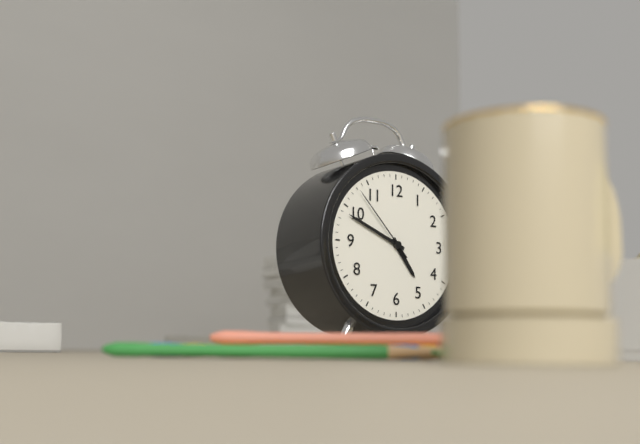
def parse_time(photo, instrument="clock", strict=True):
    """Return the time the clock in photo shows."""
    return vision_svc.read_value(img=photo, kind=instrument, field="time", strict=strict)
4:49:53
